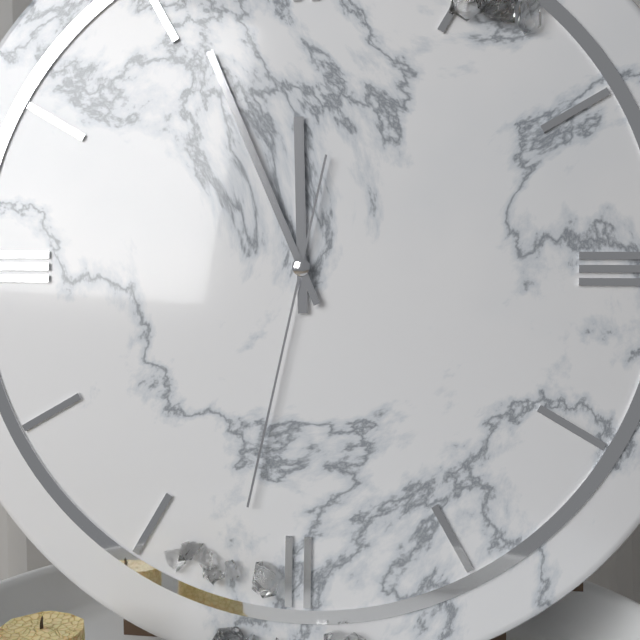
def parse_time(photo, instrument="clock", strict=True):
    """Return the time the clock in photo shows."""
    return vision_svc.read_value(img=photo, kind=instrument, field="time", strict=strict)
11:56:32
